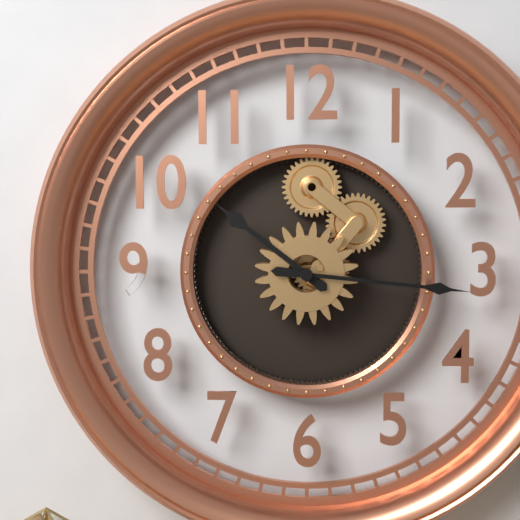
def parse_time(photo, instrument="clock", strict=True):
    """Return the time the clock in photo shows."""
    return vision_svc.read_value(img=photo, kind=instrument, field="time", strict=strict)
10:16
